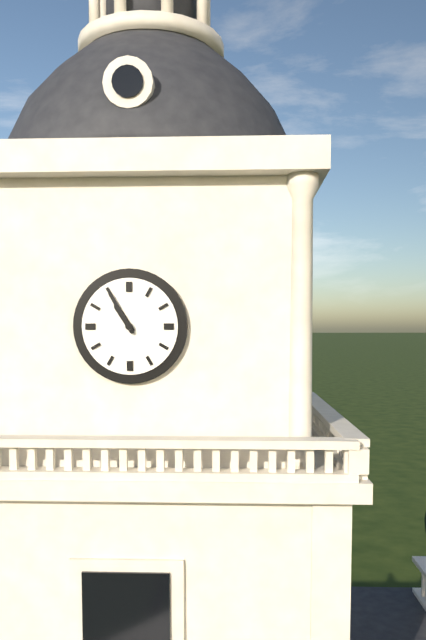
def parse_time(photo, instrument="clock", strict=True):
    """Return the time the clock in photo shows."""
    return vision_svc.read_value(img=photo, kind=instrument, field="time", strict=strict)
10:55
